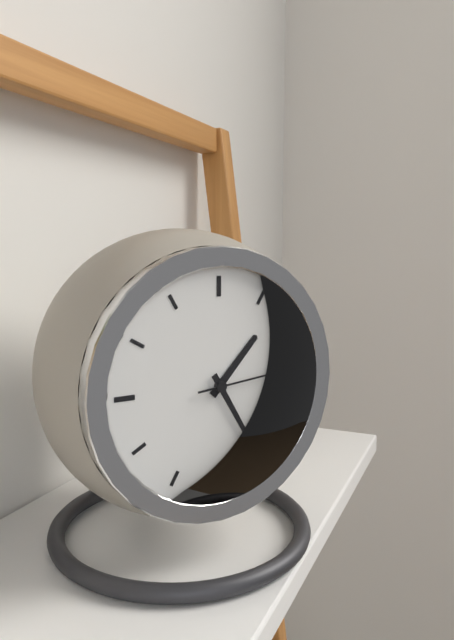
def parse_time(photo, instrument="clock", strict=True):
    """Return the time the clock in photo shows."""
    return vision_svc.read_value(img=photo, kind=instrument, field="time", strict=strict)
1:25:14
